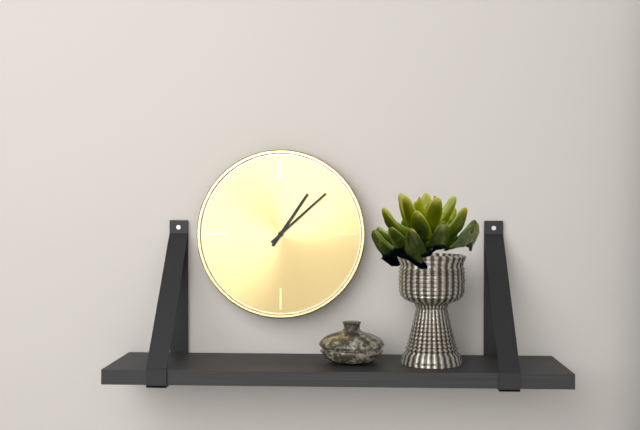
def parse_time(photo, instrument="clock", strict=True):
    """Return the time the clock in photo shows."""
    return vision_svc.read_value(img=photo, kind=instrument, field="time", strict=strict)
1:08
